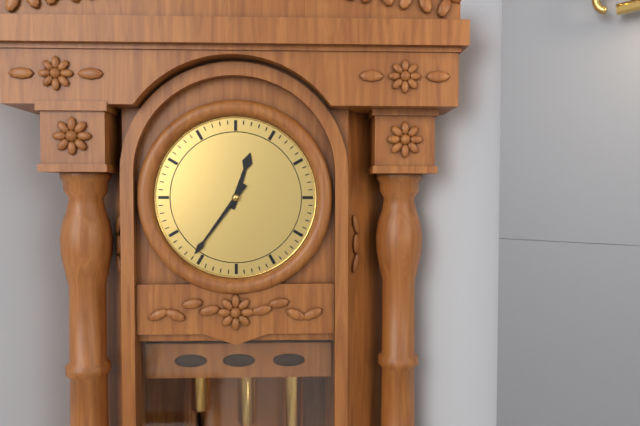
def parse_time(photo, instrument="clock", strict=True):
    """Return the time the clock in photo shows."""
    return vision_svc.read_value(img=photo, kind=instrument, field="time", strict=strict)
12:36
